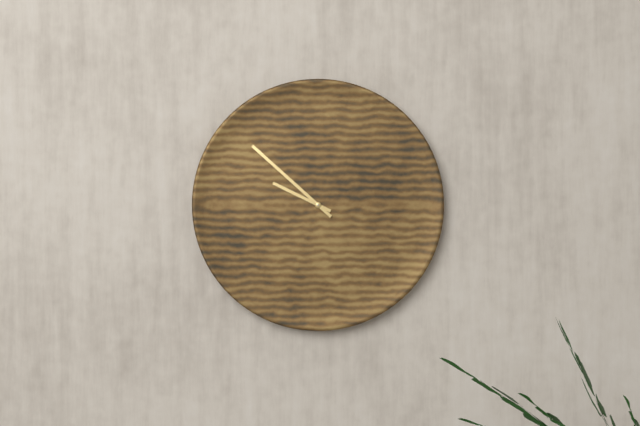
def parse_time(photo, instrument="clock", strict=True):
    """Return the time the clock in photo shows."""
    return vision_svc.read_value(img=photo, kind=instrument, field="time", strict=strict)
9:52
